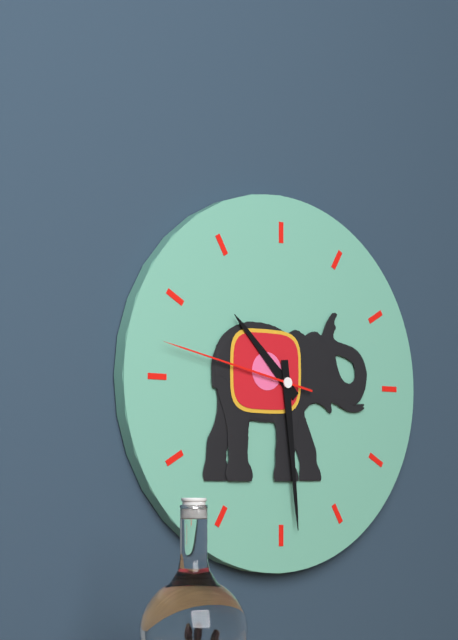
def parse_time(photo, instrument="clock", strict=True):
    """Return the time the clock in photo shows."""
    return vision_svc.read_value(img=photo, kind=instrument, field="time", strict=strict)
10:29:47
